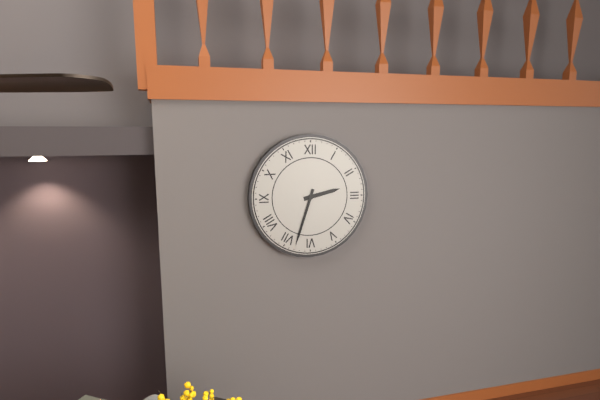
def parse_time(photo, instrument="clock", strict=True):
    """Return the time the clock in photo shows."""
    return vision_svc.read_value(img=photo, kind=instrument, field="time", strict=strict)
2:33
